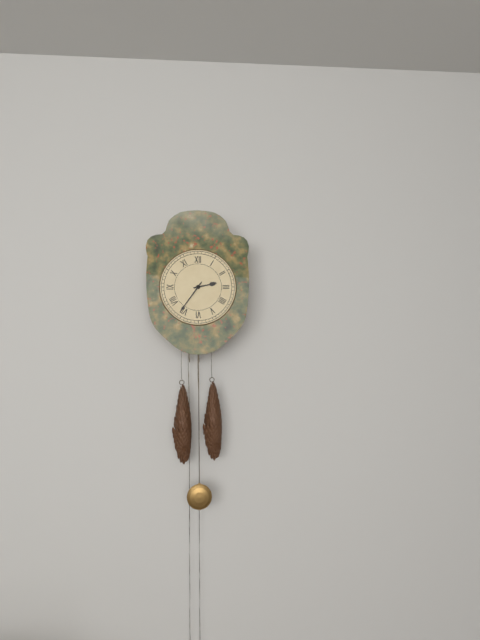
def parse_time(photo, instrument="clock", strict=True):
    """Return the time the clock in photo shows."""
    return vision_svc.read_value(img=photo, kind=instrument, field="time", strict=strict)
2:36
